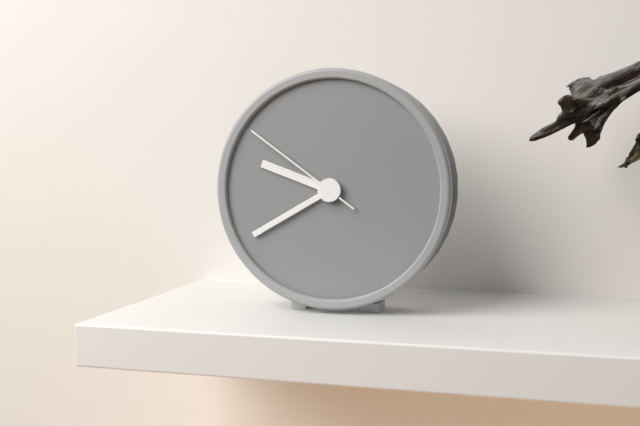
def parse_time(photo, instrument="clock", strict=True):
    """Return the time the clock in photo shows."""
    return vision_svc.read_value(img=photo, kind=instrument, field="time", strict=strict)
9:40:51
